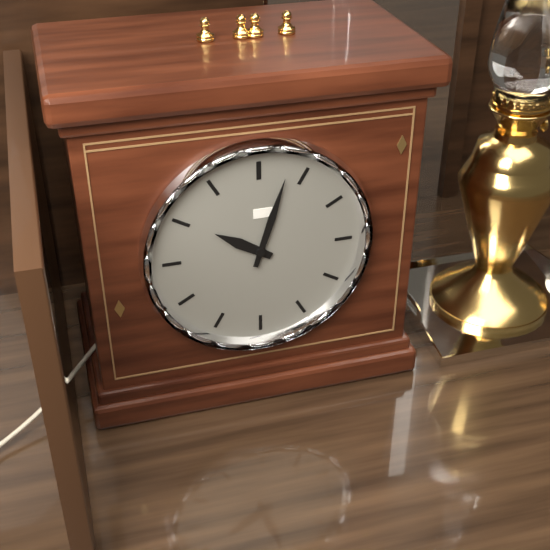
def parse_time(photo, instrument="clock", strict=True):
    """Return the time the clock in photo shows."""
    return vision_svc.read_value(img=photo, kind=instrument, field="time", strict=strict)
10:03
